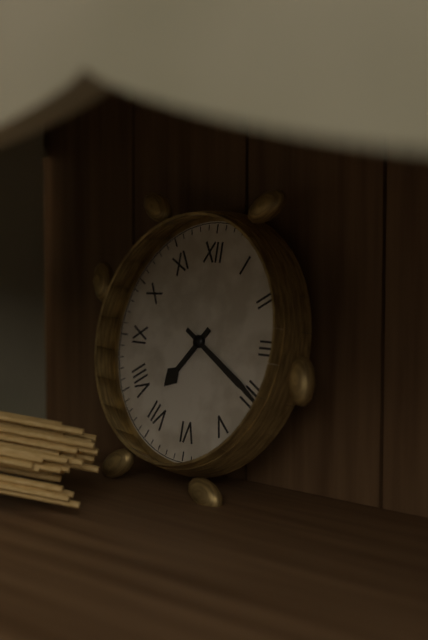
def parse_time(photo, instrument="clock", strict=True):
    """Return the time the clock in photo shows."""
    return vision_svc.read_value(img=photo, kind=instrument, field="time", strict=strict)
7:20
